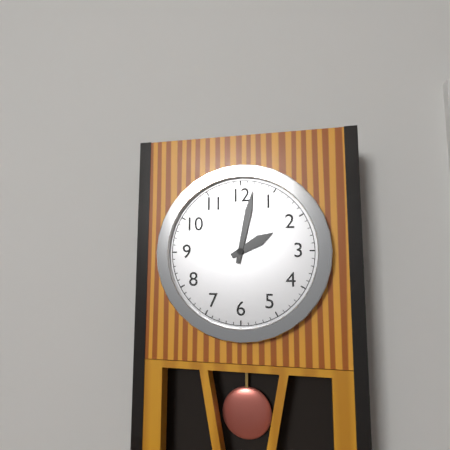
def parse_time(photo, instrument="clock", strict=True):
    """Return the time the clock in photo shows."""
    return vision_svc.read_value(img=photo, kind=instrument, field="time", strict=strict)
2:02
